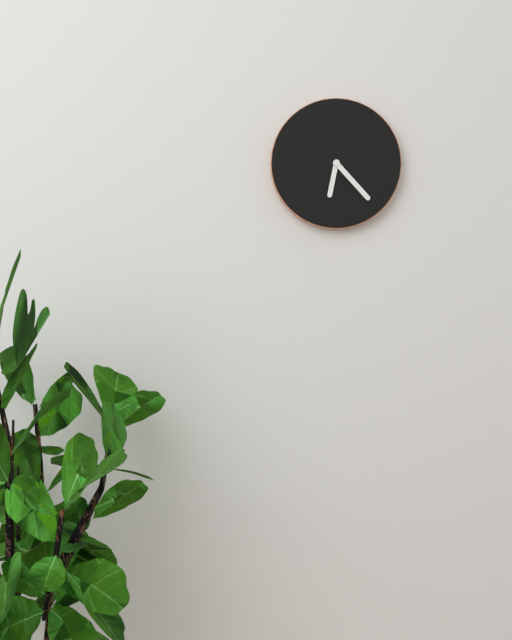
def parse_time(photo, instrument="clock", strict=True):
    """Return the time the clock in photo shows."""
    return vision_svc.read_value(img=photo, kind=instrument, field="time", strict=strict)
6:23
